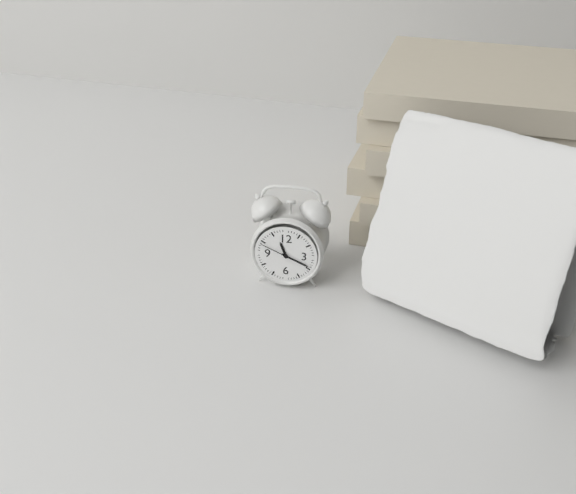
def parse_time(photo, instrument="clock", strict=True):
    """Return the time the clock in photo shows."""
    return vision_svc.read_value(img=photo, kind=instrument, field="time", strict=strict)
11:19
